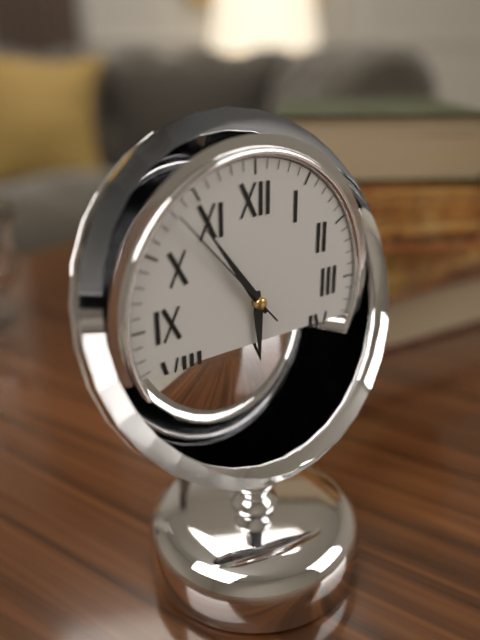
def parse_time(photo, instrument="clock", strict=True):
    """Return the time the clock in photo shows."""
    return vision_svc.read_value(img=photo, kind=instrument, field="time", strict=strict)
5:54:53
